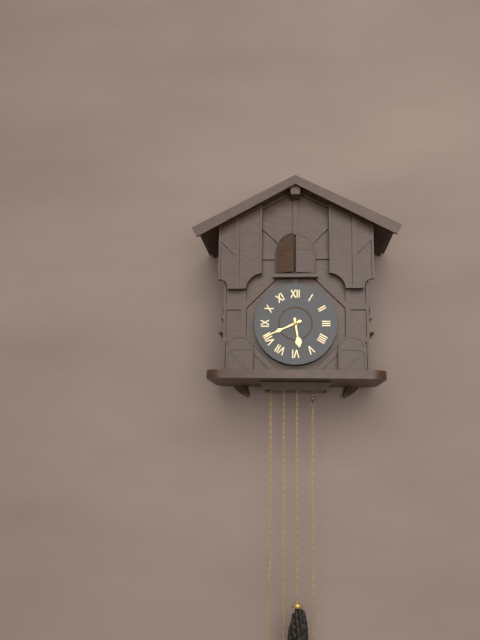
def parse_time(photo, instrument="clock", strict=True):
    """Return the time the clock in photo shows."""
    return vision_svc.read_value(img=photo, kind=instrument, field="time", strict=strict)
5:41
